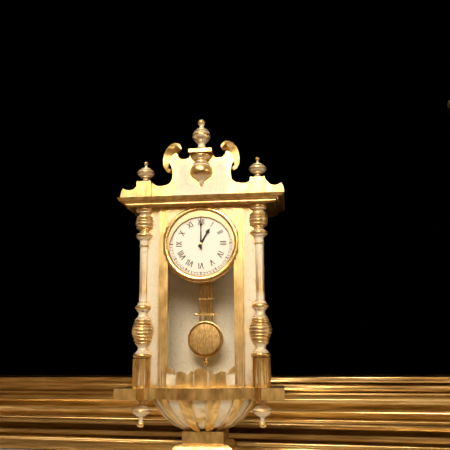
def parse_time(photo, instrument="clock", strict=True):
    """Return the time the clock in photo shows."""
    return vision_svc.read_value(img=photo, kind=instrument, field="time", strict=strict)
1:00
